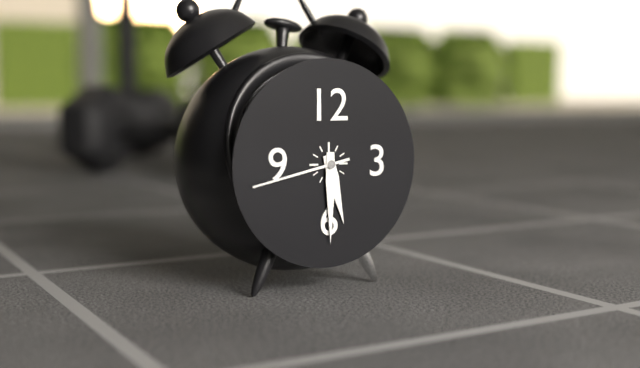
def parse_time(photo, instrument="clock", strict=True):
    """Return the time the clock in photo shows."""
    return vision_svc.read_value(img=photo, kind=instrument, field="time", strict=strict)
5:30:43
